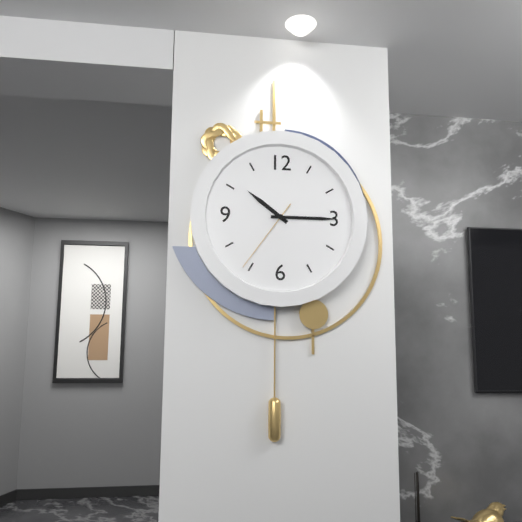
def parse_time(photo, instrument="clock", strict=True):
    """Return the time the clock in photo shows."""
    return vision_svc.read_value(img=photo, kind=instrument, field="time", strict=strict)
10:15:36
